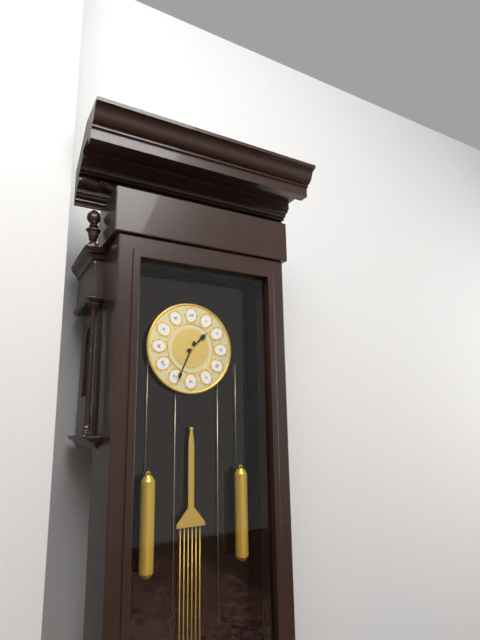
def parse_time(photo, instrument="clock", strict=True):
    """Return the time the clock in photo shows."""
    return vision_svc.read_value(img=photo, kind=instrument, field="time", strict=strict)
1:34
